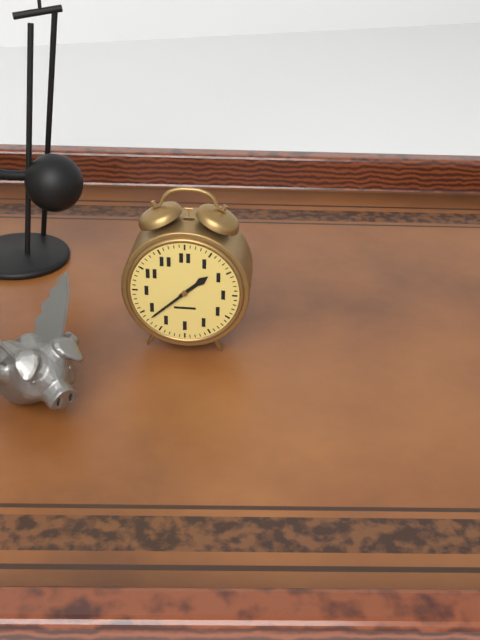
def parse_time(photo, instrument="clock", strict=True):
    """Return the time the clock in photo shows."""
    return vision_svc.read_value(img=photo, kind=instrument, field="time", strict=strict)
1:38
